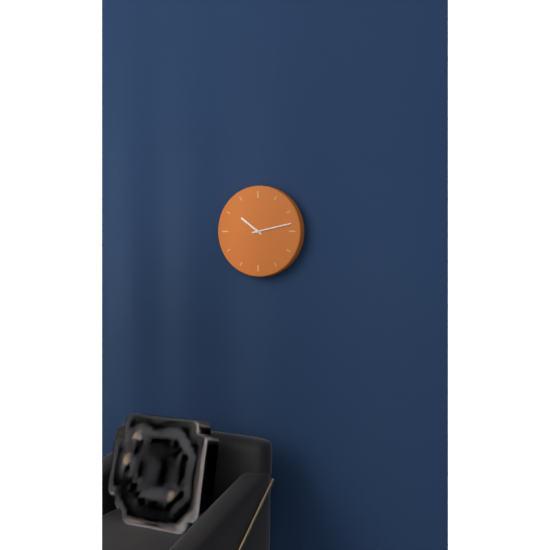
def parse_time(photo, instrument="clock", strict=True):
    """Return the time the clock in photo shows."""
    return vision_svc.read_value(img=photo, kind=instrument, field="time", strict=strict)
10:13
